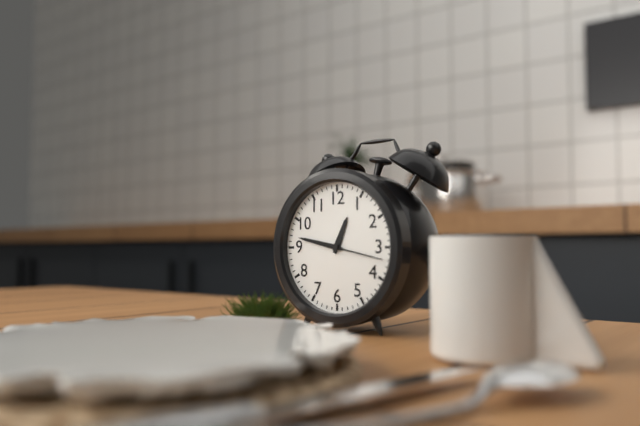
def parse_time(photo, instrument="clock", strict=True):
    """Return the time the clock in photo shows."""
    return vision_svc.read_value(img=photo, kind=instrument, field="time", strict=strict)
12:47
